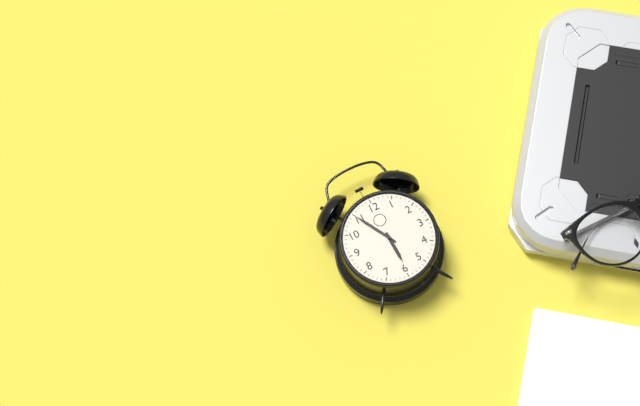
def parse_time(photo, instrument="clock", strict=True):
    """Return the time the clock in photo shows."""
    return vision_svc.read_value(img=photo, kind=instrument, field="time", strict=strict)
5:55
